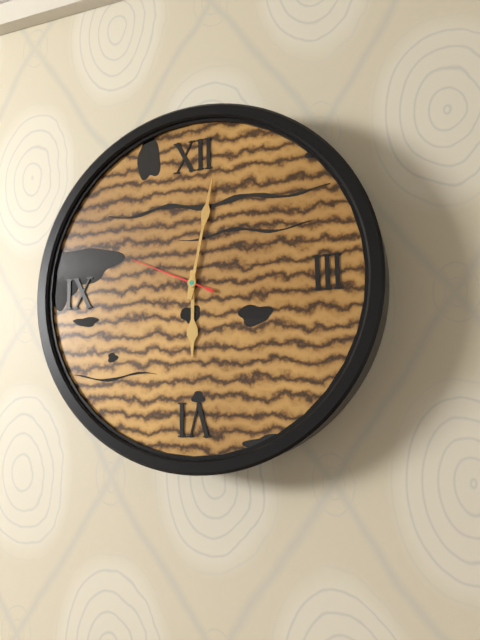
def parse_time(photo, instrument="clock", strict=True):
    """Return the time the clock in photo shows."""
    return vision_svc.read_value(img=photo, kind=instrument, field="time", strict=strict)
6:02:49
